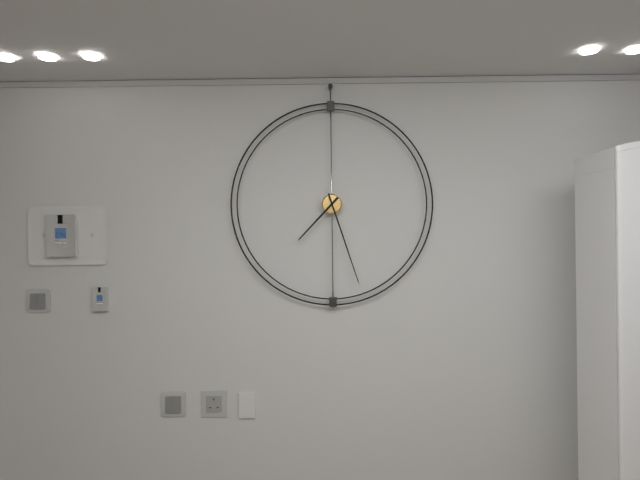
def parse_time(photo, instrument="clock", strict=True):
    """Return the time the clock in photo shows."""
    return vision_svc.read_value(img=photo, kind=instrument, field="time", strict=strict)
7:27
